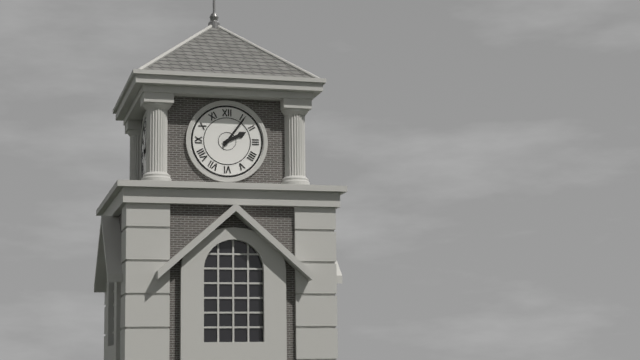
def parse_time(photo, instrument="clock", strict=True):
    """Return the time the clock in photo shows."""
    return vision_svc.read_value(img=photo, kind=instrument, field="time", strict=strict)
2:06
